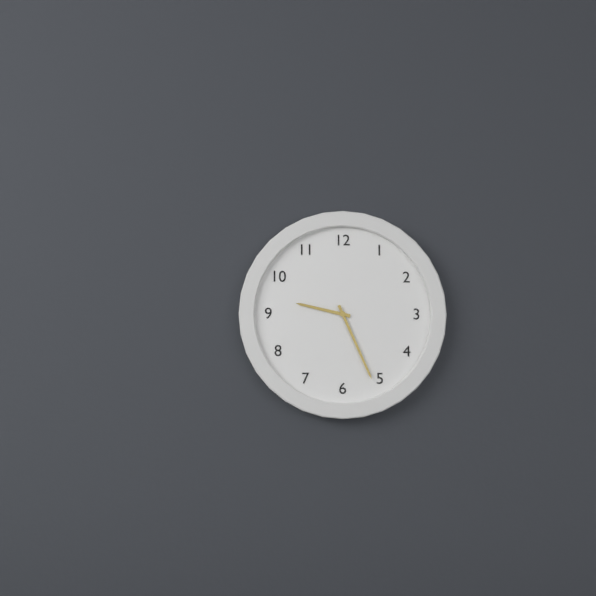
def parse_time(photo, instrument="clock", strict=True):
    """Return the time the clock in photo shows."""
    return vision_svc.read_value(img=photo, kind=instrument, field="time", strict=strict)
9:26
